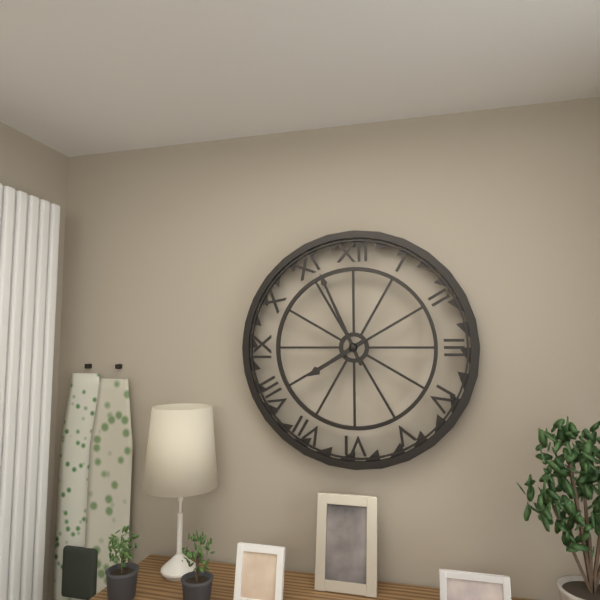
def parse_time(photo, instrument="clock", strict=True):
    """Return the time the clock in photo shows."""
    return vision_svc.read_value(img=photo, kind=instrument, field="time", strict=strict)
7:56
